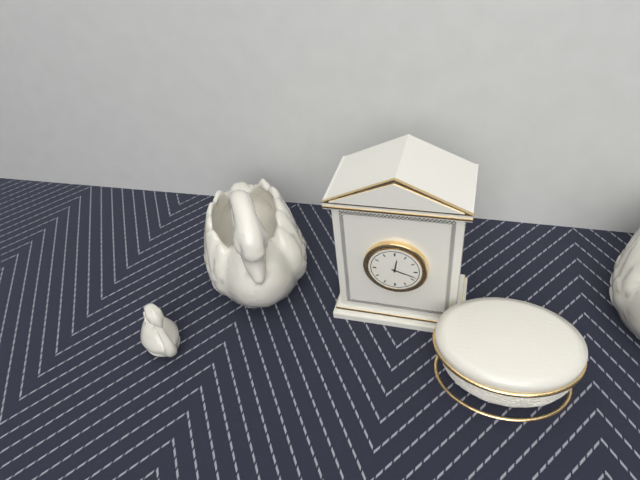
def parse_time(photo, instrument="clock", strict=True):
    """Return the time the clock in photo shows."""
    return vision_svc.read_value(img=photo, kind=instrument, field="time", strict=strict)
12:18
